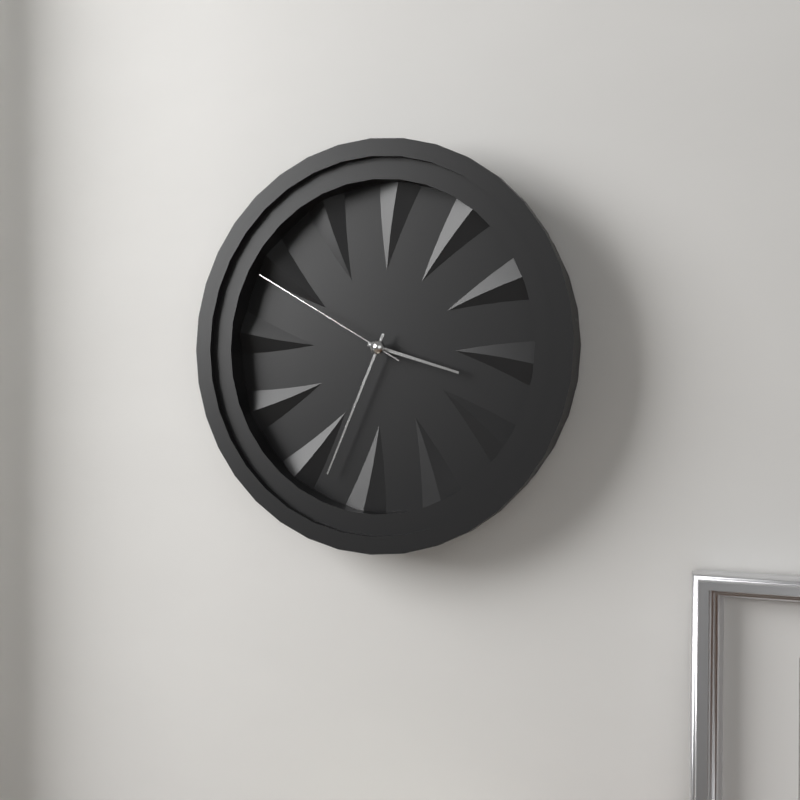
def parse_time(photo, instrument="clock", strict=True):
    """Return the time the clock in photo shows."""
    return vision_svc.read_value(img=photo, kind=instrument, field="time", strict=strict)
3:34:50
